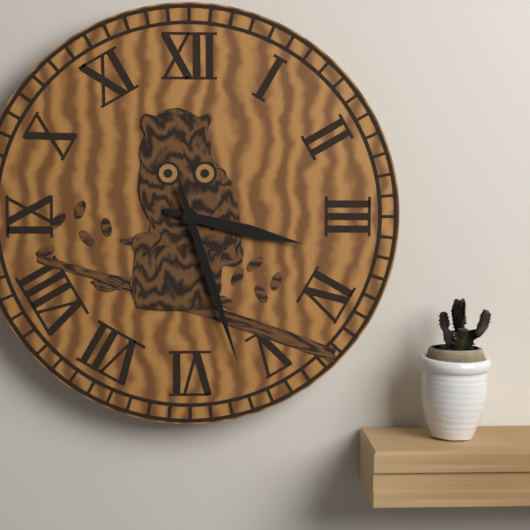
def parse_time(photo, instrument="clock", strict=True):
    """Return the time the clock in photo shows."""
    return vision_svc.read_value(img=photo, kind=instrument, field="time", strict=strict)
3:27
